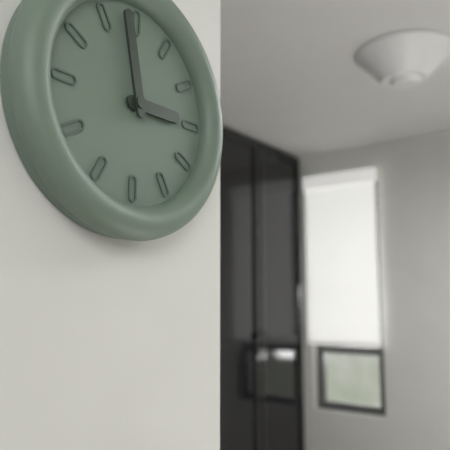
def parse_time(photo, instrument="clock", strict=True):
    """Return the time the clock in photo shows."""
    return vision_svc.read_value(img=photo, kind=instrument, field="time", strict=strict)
2:58
